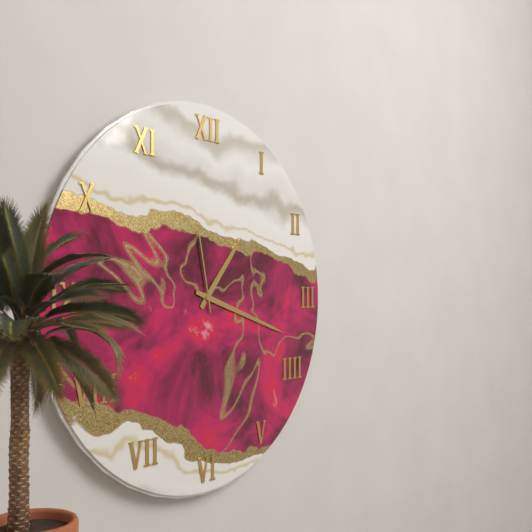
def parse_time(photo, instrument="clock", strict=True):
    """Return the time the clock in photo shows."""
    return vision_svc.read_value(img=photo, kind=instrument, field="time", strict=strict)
1:18:58
